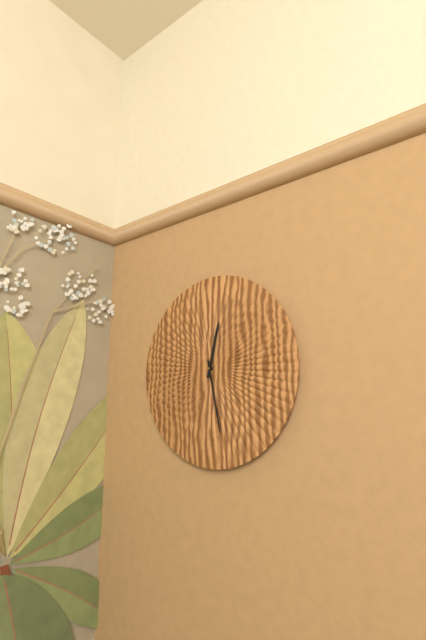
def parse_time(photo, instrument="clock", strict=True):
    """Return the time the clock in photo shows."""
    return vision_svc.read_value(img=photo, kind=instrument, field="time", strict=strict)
12:28
